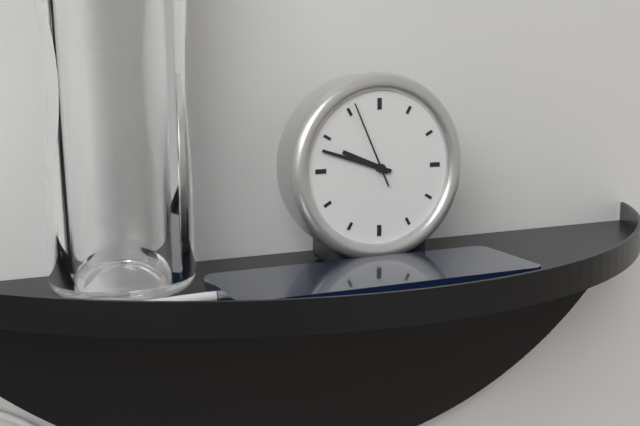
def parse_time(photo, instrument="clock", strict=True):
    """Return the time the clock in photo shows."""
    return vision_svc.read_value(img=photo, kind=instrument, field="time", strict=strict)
9:48:56
